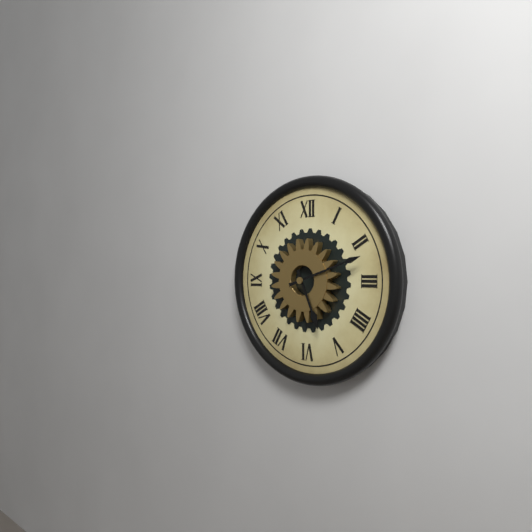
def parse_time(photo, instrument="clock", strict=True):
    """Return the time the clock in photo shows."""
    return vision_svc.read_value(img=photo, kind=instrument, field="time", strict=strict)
5:12
